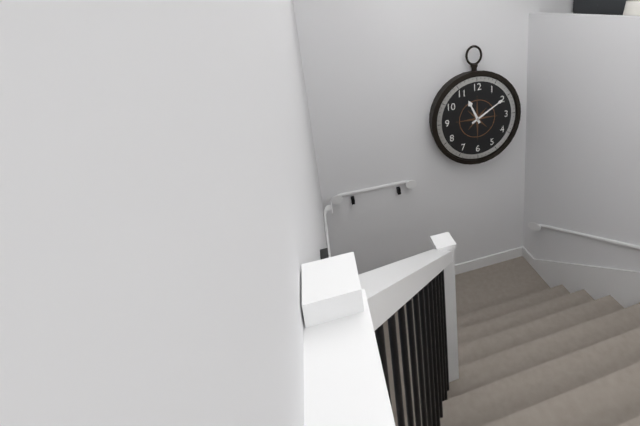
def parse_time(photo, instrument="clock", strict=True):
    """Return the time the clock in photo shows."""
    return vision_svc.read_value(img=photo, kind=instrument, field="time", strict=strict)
11:10
